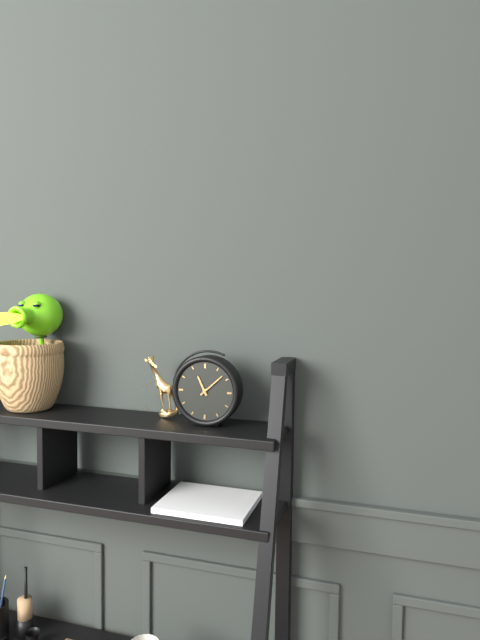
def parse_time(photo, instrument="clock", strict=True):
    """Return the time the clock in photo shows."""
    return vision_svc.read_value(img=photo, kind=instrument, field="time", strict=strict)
11:08
